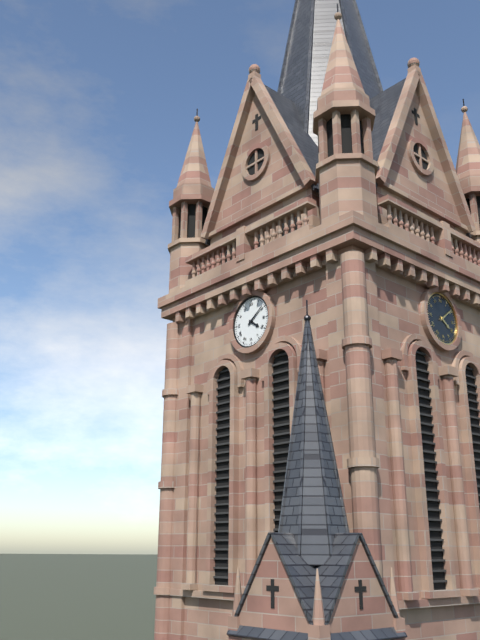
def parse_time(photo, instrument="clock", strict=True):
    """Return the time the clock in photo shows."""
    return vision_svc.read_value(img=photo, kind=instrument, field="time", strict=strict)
4:09
